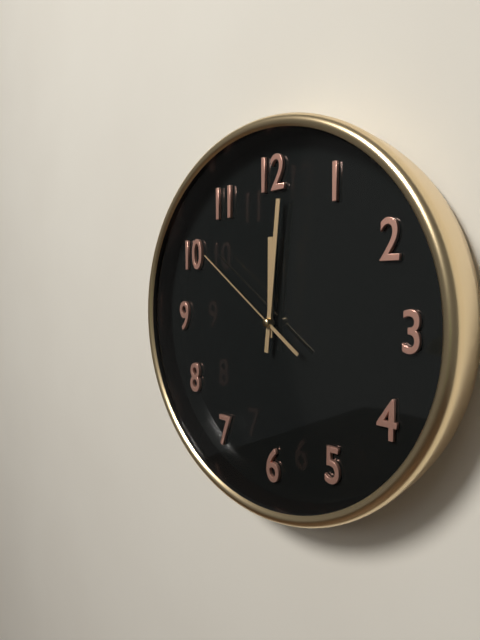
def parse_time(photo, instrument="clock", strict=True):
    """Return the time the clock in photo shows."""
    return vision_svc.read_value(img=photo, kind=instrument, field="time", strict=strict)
12:01:51
